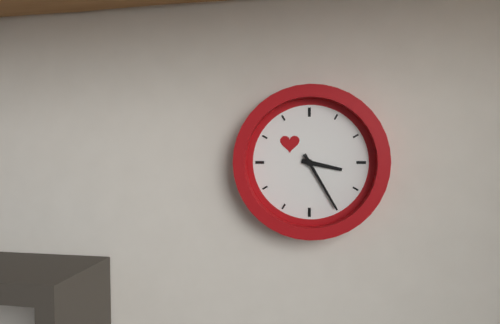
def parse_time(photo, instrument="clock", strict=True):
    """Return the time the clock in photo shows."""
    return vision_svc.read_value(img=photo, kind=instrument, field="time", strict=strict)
3:25
